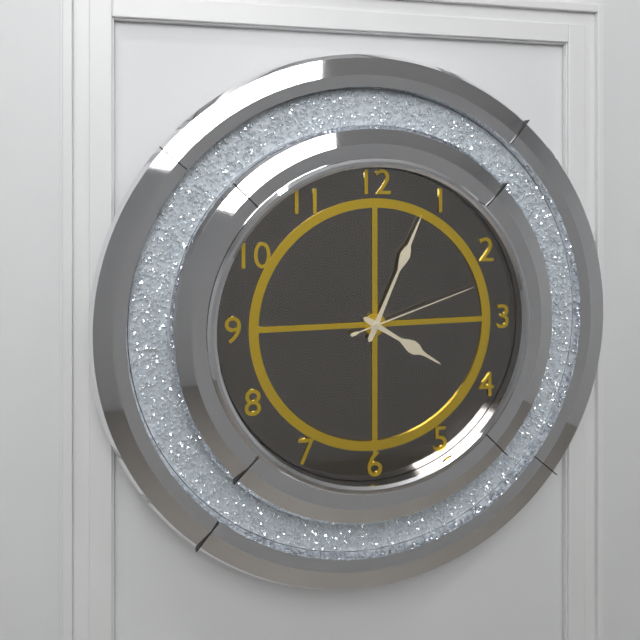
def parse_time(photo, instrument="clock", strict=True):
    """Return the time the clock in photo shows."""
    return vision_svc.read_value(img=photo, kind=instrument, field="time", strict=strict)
4:04:12
